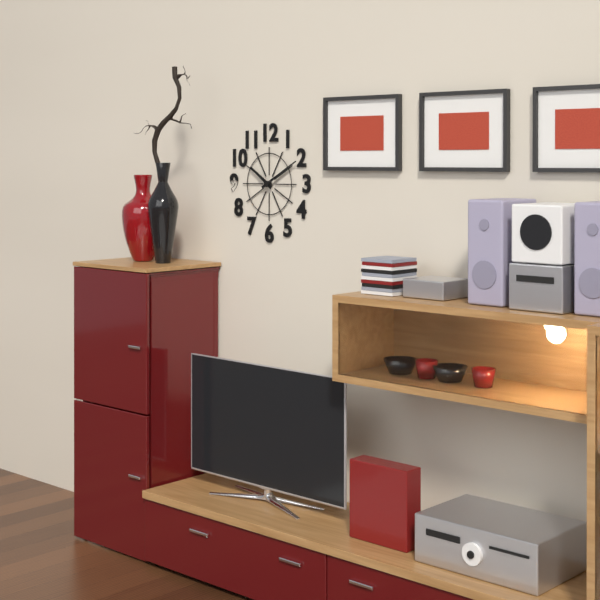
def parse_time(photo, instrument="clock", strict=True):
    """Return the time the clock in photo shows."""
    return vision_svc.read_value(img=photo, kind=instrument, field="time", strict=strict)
10:10
